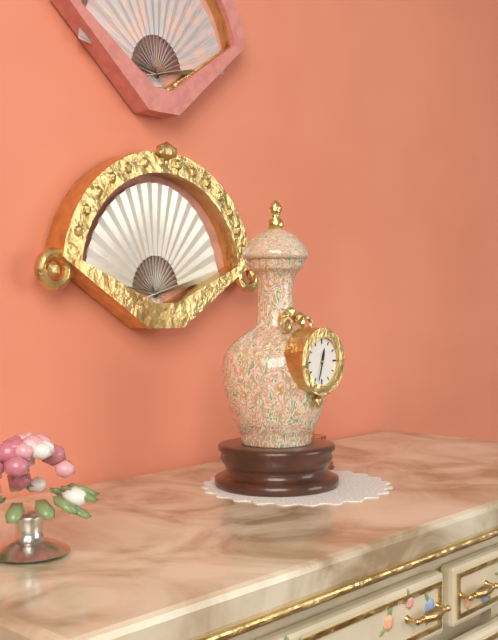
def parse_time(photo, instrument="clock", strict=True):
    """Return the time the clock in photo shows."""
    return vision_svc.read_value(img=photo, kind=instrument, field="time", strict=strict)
12:33
